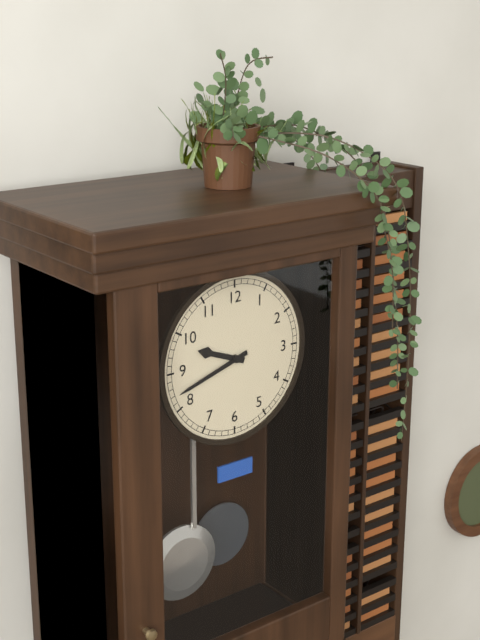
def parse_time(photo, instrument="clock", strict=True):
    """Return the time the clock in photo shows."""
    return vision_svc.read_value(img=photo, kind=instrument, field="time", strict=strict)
9:42
